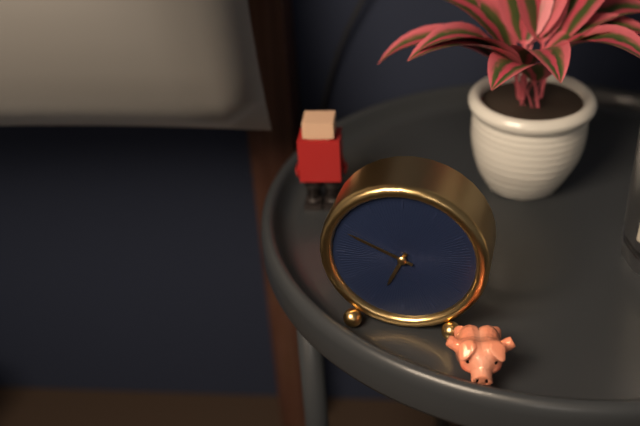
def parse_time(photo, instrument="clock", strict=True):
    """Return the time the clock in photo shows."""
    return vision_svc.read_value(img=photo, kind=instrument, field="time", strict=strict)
6:49
